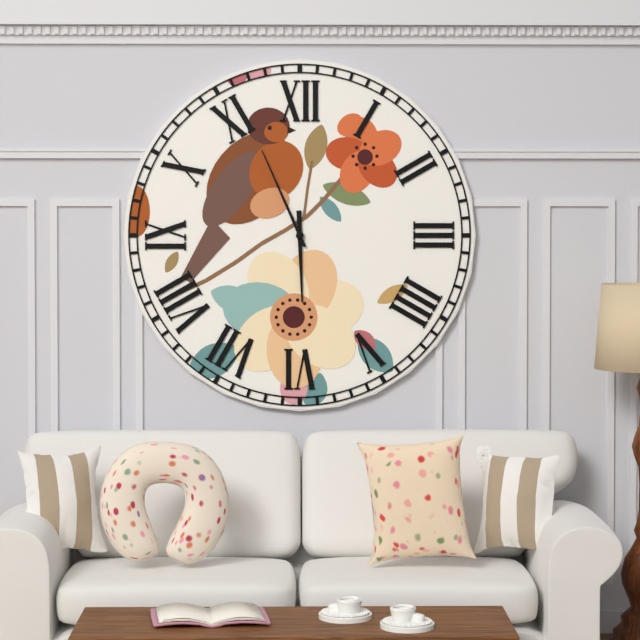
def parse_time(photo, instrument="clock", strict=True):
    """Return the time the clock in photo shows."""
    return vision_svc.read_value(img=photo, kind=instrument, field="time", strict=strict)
5:56
